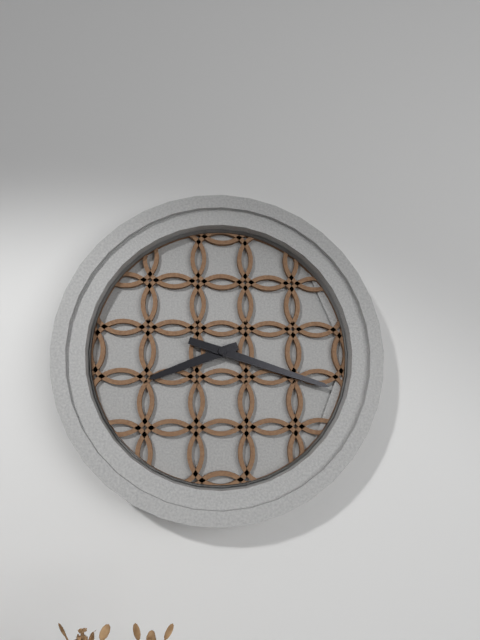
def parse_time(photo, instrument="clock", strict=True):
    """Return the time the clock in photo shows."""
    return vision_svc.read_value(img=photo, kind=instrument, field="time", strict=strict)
8:18
